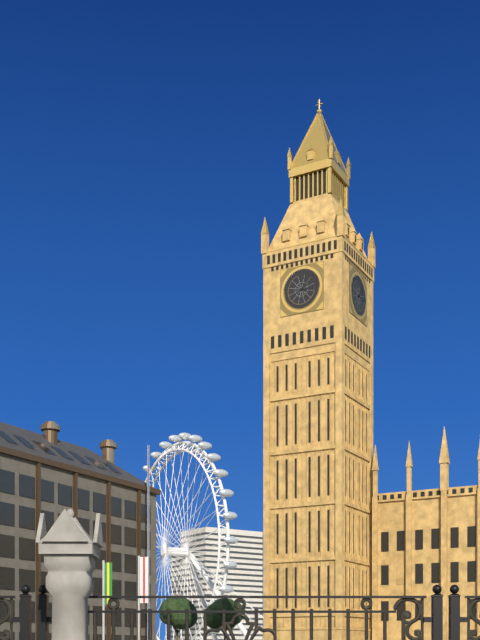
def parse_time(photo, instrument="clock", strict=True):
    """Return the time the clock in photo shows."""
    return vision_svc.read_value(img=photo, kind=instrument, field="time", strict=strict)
3:07
